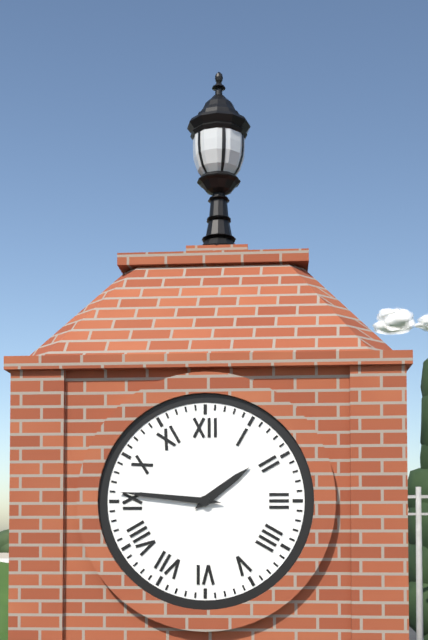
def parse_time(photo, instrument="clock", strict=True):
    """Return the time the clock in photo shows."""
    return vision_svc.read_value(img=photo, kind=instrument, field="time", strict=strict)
1:46
